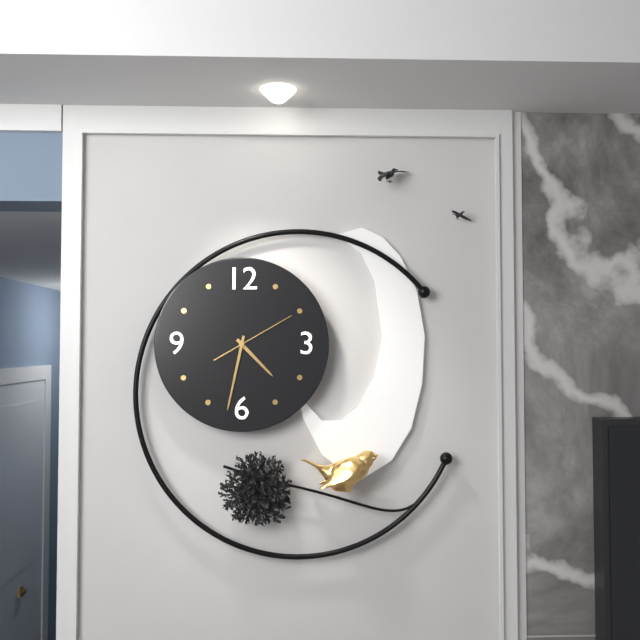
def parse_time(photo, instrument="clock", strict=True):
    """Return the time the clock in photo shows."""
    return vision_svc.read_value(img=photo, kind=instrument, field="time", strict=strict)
4:32:10
